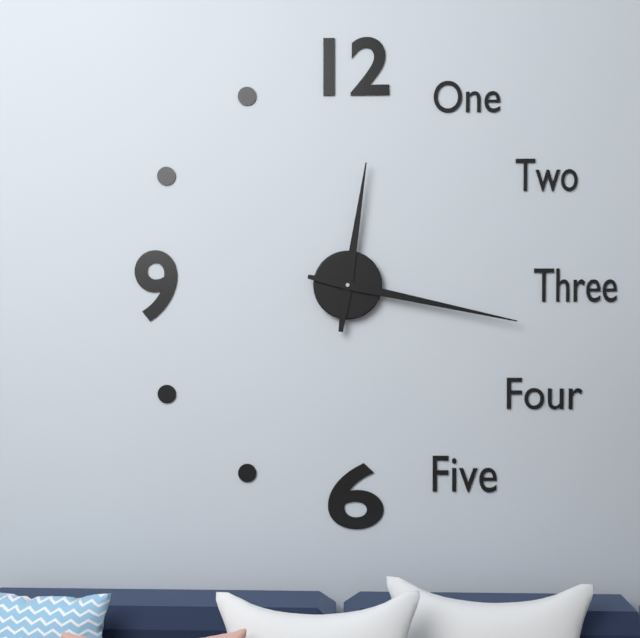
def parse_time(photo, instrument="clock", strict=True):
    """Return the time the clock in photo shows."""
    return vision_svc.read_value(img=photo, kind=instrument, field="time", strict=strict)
12:17
